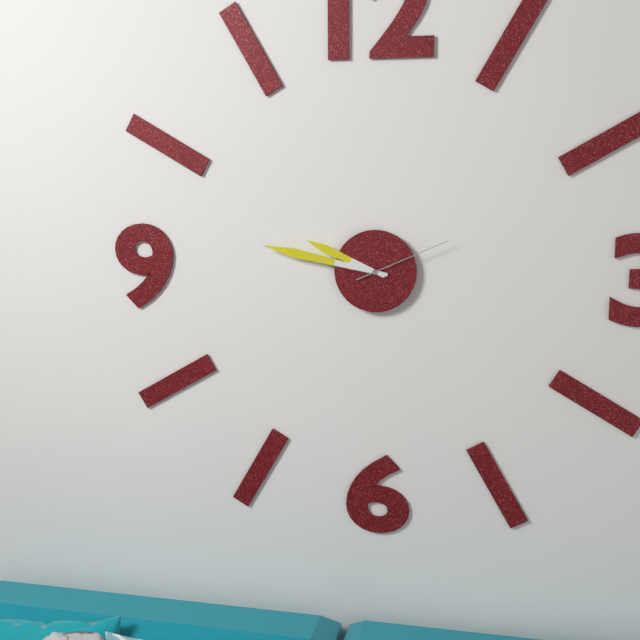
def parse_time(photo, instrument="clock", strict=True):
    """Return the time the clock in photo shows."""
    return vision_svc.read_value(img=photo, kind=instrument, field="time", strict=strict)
9:47:11
